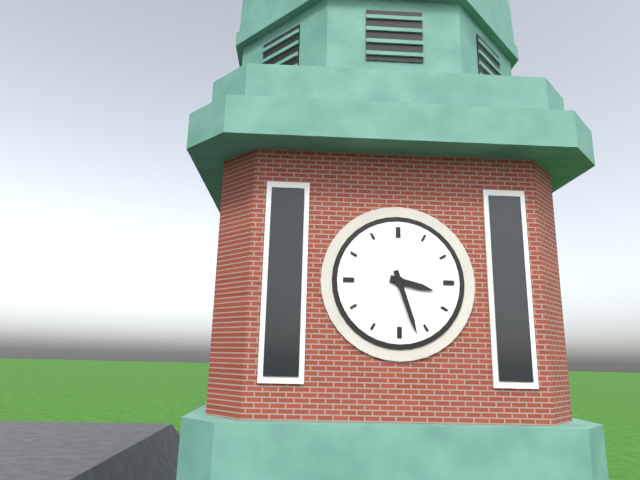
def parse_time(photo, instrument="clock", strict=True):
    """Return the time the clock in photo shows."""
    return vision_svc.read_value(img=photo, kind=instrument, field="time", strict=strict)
3:27
